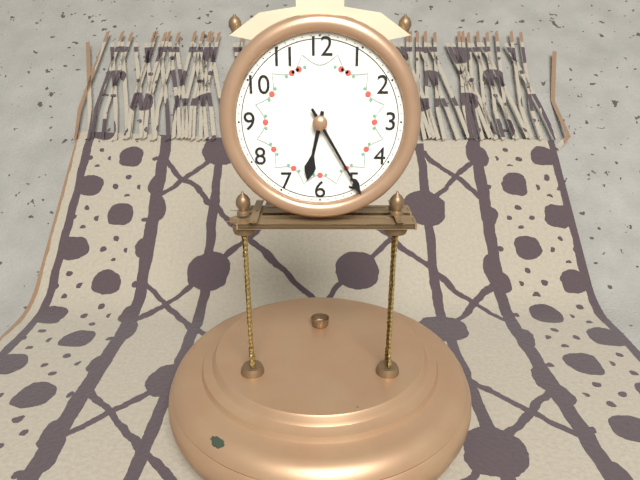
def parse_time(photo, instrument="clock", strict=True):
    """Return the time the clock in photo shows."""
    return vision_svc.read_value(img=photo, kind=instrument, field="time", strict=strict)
6:25
